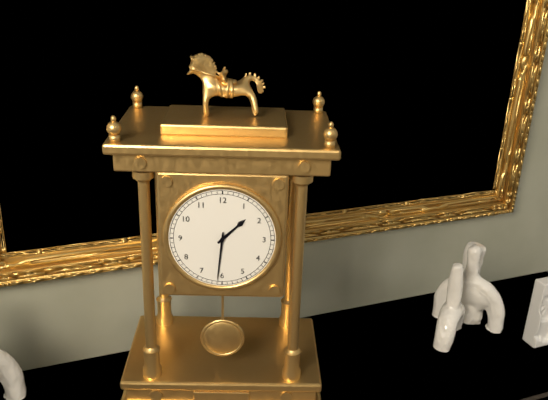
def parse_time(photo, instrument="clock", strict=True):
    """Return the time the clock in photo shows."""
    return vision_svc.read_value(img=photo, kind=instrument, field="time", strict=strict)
1:31
